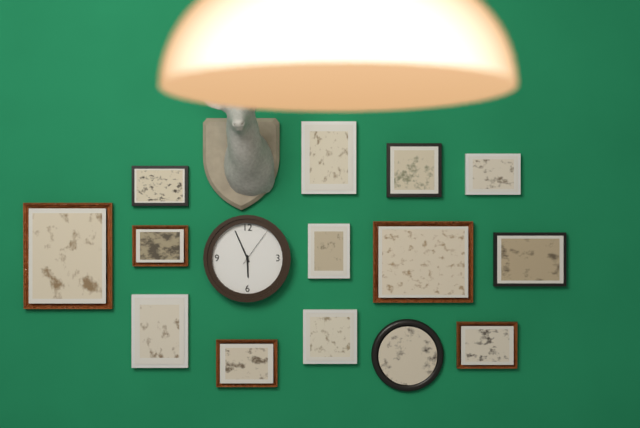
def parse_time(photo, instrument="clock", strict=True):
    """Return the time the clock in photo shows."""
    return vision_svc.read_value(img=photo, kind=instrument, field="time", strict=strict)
5:56
